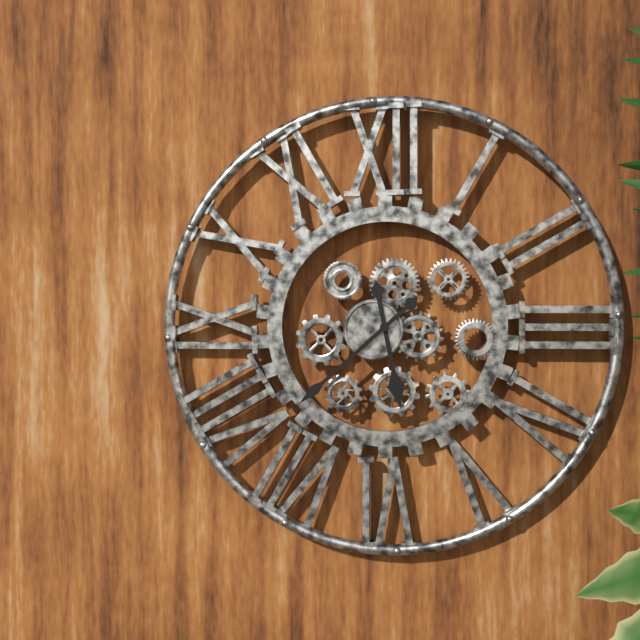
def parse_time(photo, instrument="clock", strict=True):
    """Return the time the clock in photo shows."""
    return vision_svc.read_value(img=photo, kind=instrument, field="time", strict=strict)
5:38
